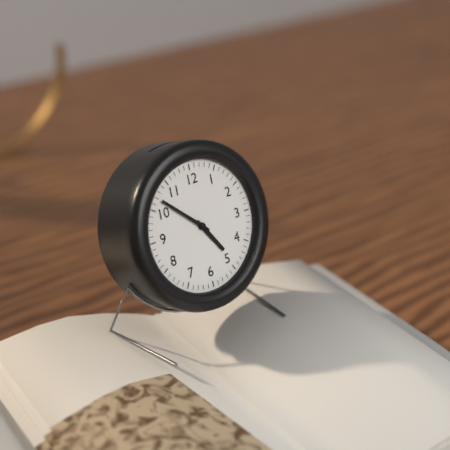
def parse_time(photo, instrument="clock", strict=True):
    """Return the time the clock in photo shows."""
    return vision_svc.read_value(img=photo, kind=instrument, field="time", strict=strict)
4:52
